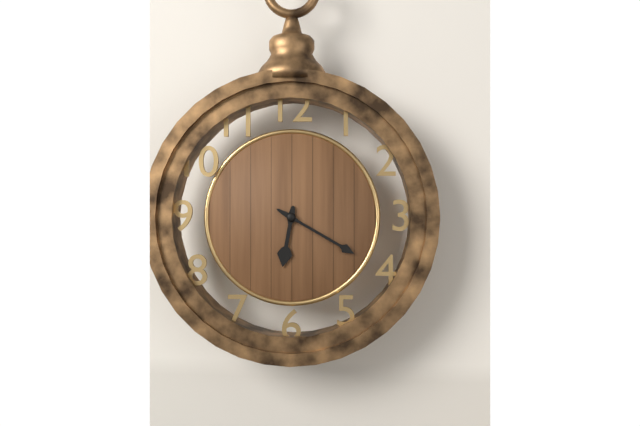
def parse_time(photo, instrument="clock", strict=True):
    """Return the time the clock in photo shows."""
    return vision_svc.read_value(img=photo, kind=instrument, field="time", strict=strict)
6:20
